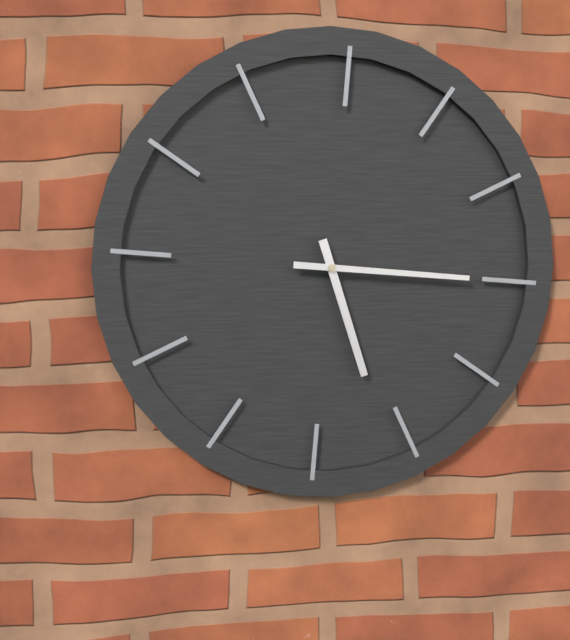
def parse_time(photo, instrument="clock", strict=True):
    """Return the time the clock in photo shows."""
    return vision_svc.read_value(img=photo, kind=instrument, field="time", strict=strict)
5:15
